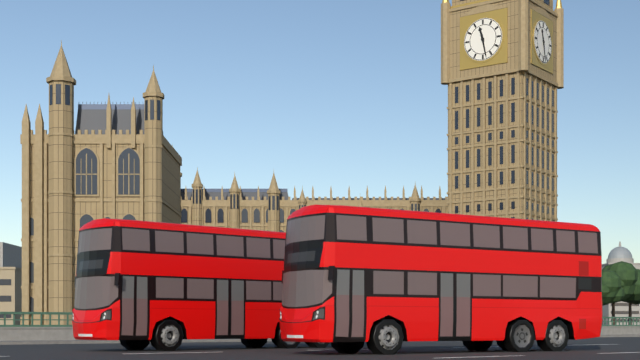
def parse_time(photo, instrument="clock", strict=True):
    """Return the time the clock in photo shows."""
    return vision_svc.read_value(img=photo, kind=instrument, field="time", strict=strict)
11:28
